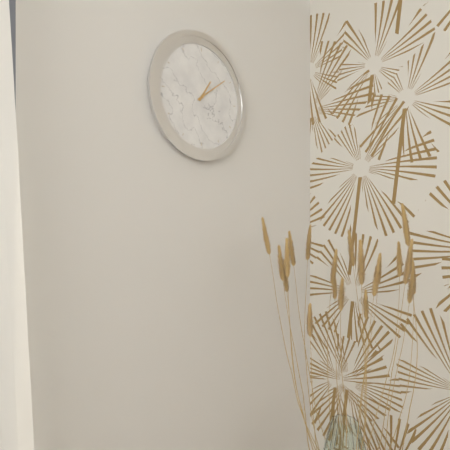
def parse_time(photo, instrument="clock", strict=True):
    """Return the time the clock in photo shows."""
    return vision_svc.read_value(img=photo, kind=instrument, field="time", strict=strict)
1:09
